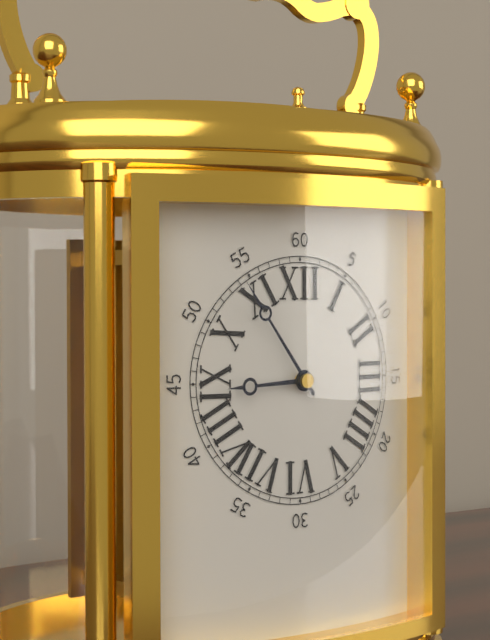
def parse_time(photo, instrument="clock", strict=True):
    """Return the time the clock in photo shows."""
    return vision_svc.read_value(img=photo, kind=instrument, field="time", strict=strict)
8:54
